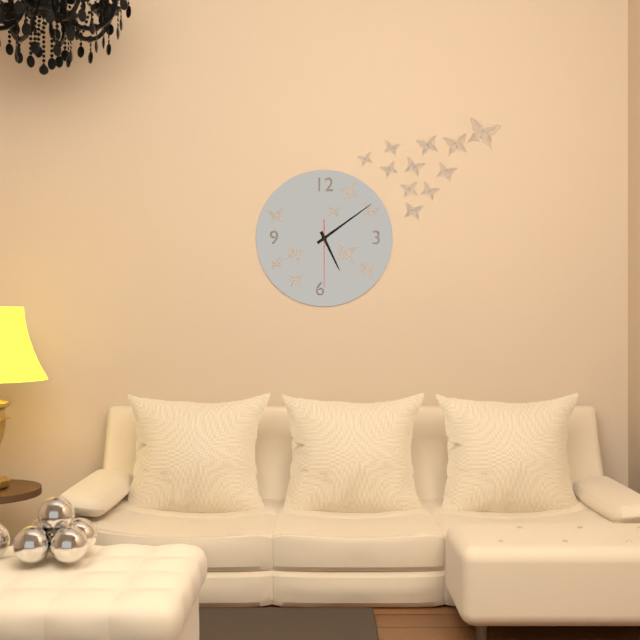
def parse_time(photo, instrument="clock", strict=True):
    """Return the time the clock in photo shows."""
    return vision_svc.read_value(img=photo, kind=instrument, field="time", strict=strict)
5:09:30
